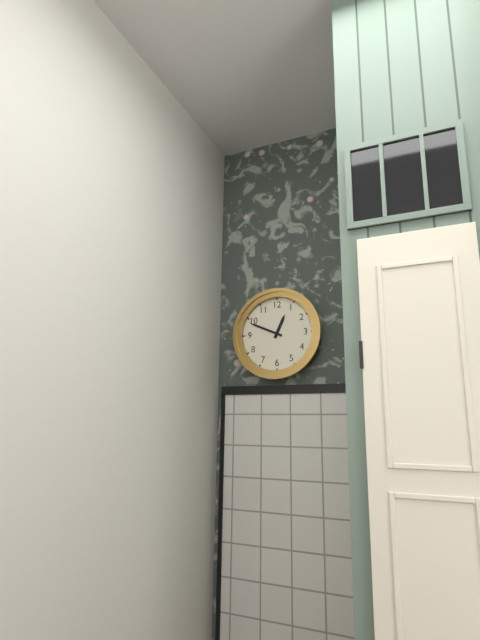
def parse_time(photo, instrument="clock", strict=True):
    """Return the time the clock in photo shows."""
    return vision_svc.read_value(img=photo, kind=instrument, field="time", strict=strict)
12:49
